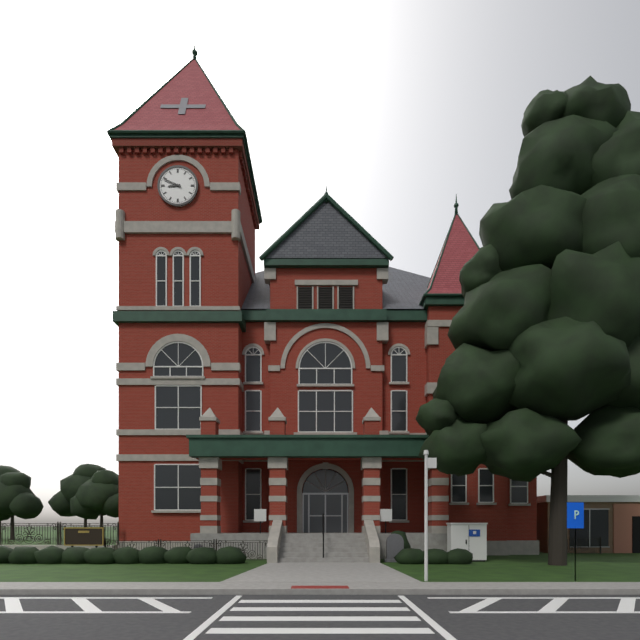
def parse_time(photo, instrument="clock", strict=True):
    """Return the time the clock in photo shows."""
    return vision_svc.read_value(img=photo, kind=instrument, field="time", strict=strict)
8:49
